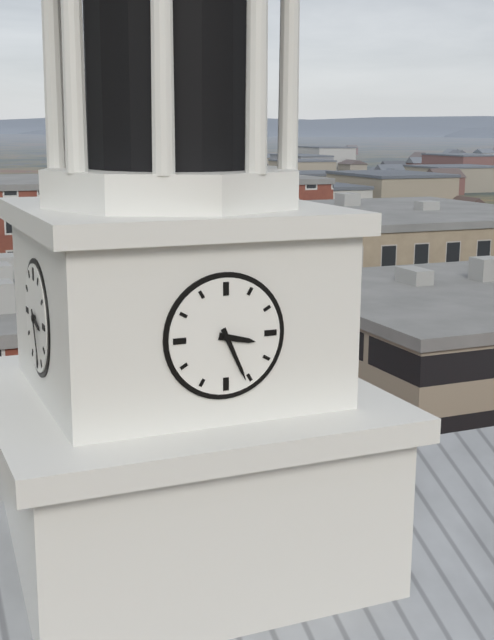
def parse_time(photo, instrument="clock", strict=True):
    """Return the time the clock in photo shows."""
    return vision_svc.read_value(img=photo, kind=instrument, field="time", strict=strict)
3:26
